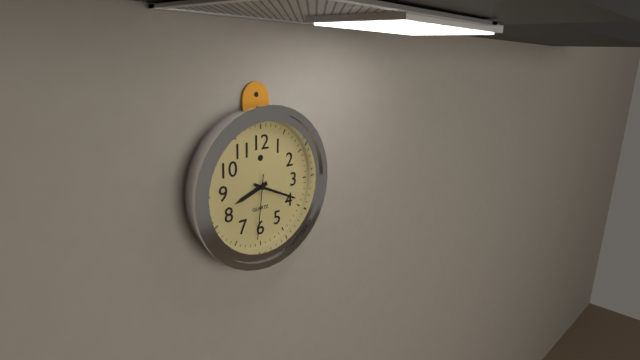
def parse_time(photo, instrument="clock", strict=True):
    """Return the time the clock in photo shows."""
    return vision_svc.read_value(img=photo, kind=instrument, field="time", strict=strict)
8:19:31
